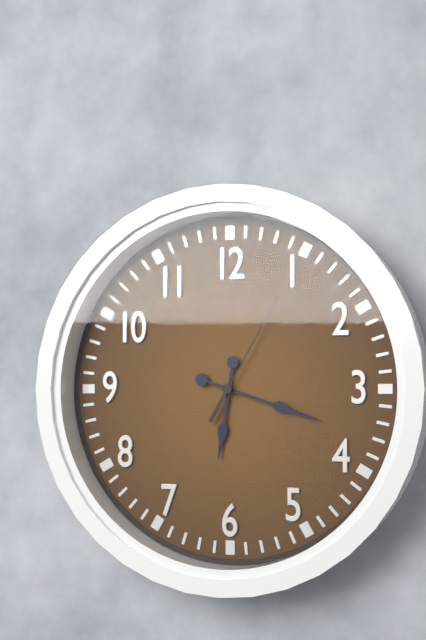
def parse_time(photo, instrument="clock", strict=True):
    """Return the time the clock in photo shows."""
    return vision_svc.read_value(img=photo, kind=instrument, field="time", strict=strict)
6:18:05
